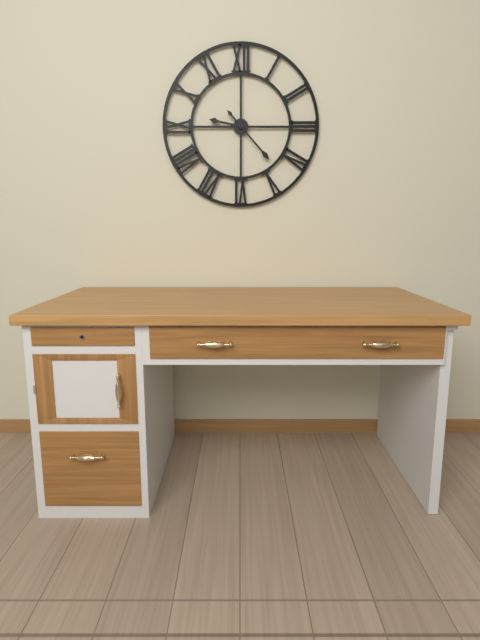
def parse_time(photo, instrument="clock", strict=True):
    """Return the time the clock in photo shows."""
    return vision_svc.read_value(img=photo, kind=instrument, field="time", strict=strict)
9:23
